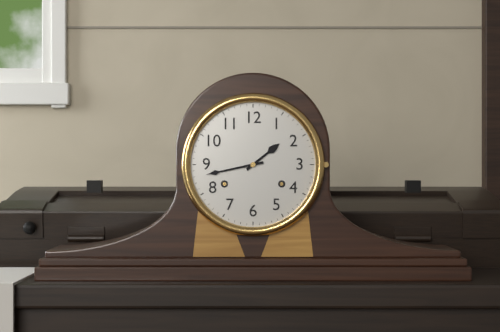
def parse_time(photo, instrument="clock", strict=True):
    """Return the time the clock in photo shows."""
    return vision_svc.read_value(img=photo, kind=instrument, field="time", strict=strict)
1:43
